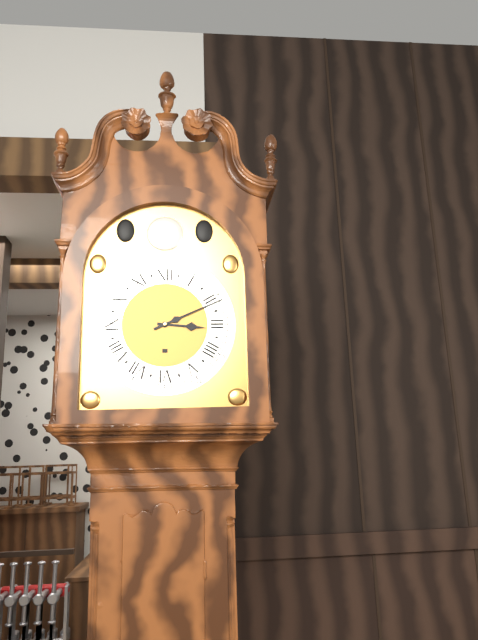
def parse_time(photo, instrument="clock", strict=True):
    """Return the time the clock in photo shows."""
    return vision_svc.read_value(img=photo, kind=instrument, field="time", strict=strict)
3:11
